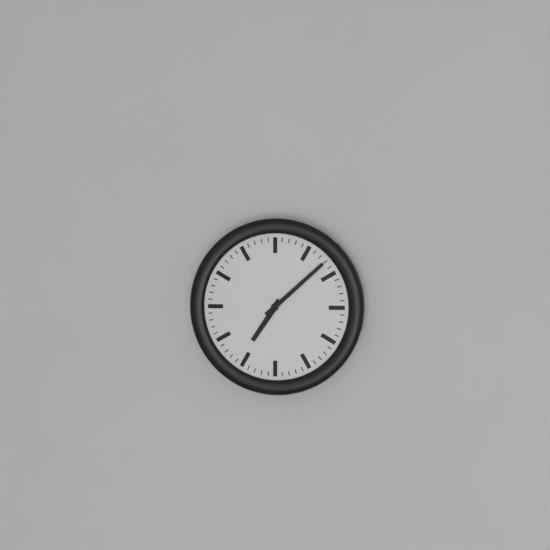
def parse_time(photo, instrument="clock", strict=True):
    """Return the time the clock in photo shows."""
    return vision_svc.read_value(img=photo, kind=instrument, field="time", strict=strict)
7:08
